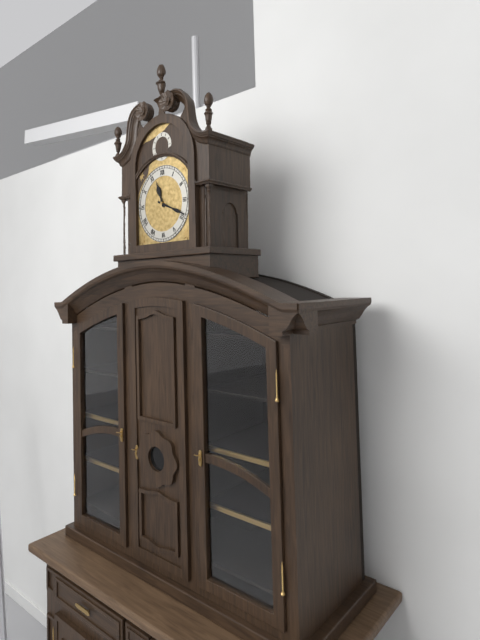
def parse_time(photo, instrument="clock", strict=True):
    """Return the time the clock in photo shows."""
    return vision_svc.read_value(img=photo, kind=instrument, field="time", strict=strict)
11:19
